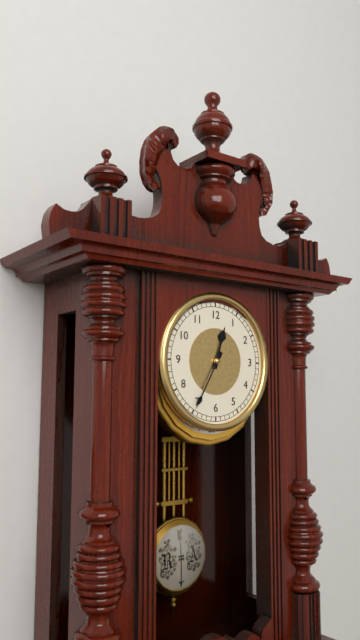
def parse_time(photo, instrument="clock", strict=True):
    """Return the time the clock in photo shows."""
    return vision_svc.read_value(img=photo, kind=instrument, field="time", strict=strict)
12:35
